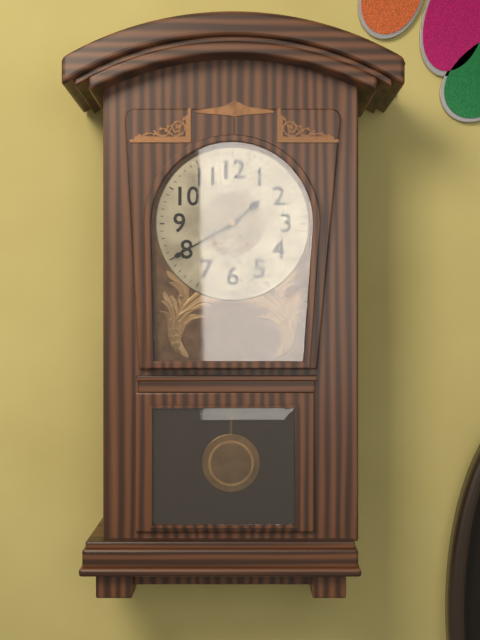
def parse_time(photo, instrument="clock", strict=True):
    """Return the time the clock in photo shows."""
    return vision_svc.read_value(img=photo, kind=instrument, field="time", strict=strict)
1:40
